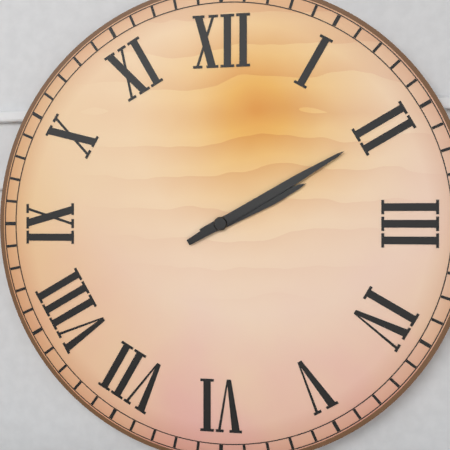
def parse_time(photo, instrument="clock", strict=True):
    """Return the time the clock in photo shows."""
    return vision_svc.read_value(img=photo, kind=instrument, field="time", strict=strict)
2:10
